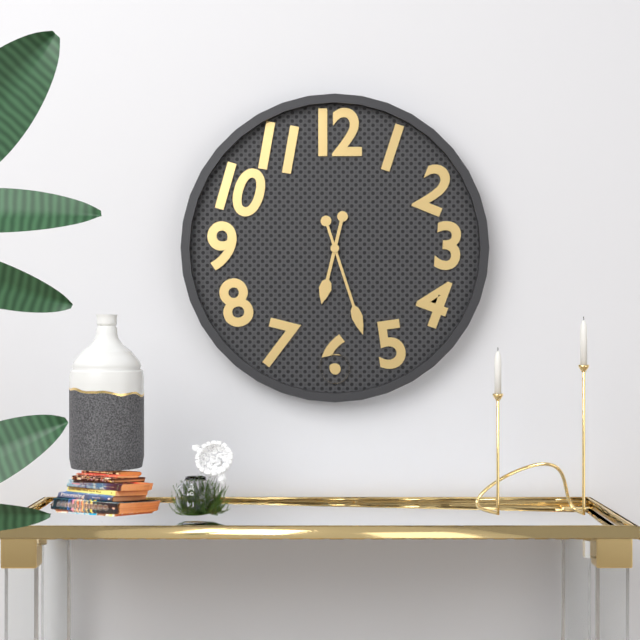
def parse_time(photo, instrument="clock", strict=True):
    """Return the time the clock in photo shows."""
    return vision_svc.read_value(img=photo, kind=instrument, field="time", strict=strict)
6:27
